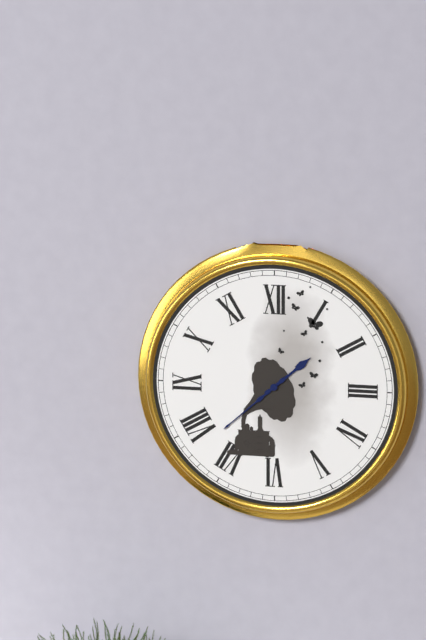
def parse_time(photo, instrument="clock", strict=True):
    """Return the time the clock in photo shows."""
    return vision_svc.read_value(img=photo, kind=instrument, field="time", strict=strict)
1:38
